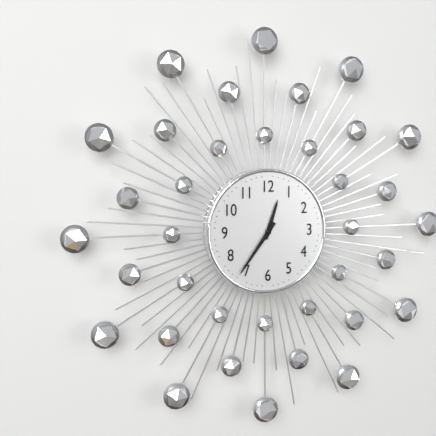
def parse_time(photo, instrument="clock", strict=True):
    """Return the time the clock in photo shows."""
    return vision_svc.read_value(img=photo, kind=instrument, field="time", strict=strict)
12:36
